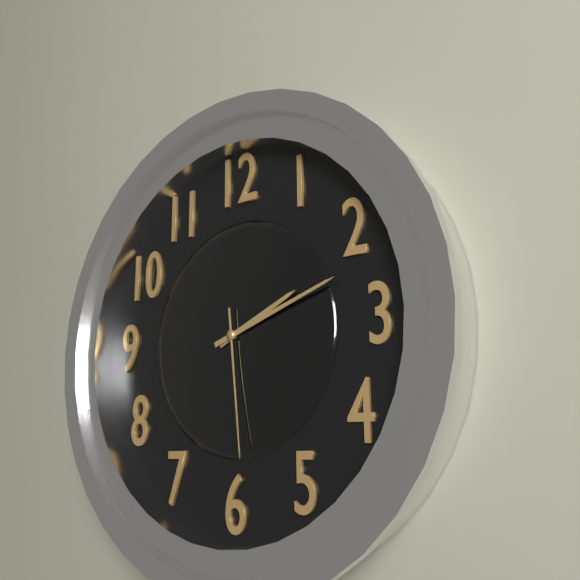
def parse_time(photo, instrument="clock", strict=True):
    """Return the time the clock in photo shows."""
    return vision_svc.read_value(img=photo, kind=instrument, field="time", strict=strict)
2:12:29
